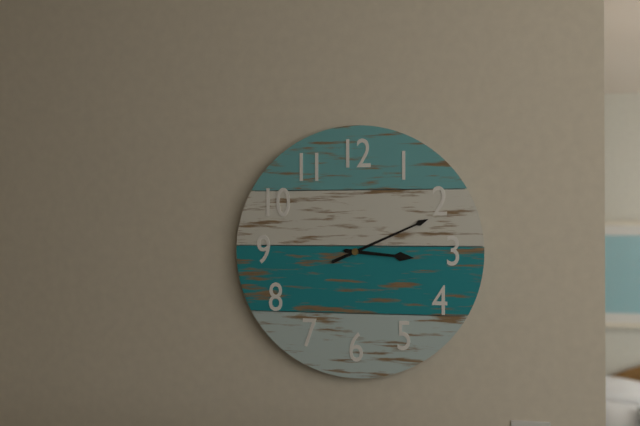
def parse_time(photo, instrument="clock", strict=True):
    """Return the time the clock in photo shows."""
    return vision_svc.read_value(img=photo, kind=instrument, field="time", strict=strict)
3:11
